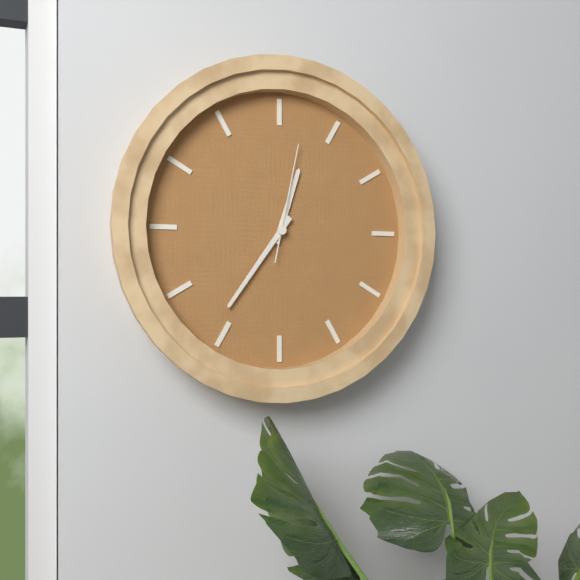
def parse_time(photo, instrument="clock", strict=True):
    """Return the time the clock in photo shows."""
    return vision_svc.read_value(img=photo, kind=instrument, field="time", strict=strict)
12:36:02
